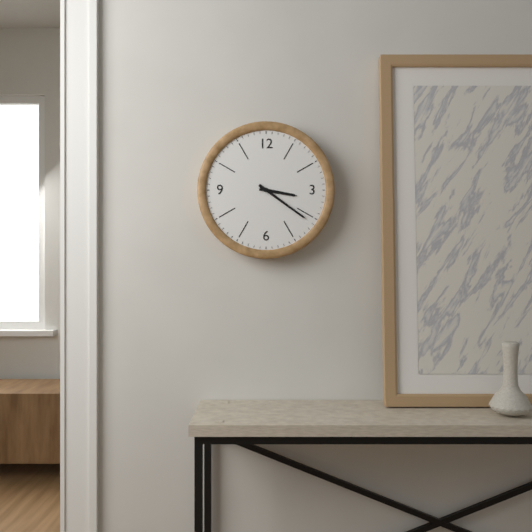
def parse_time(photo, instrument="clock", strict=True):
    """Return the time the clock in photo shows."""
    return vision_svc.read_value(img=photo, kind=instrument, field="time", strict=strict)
3:21
